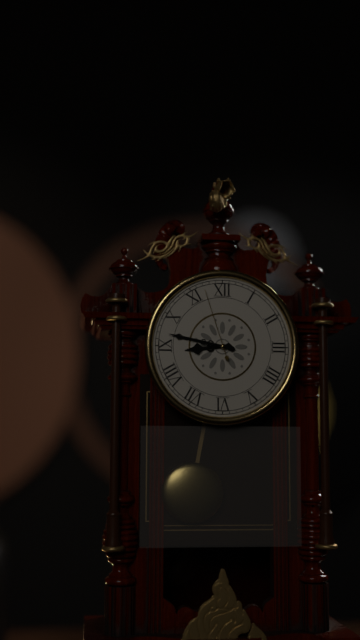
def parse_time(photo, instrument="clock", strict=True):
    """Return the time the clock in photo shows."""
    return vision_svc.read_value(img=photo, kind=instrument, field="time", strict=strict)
8:47:57
